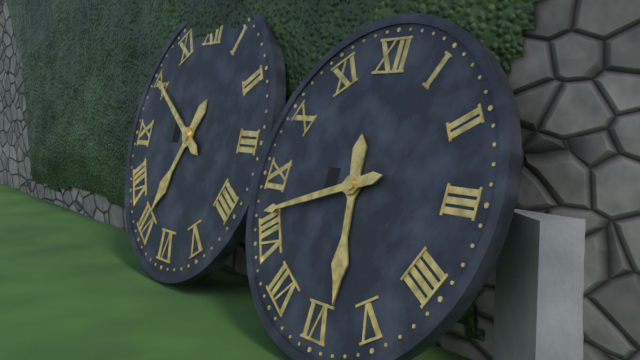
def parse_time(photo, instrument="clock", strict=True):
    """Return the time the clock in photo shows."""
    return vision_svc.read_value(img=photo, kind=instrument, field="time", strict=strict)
5:42
